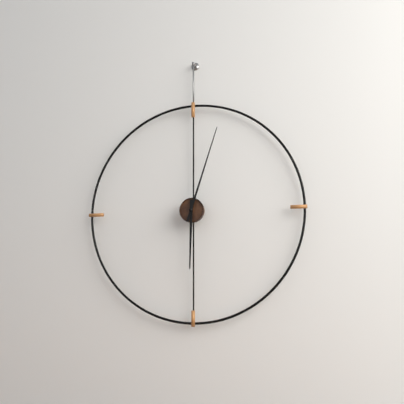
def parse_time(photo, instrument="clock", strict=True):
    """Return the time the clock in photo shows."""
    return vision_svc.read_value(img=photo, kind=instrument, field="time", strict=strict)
6:03
